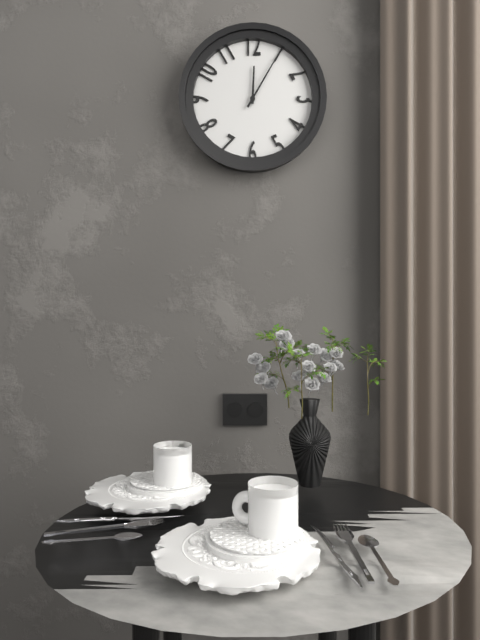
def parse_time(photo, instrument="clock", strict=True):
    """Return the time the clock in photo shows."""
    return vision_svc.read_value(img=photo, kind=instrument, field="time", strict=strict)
12:05
